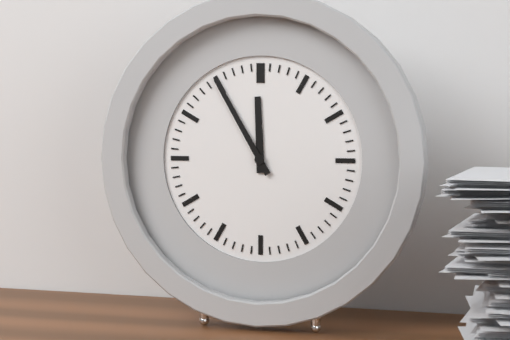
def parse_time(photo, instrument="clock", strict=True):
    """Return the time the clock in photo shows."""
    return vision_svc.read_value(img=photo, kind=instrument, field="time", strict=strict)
11:55
